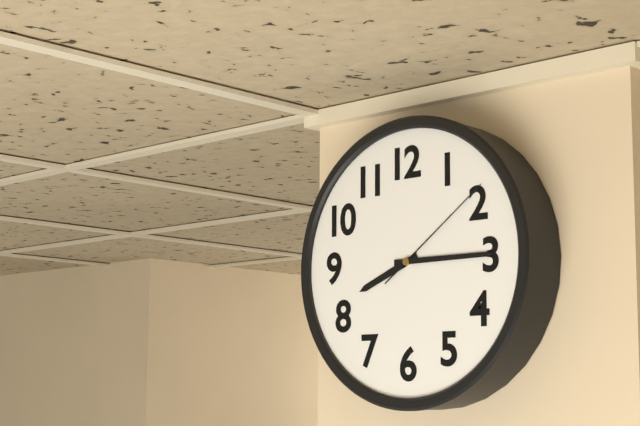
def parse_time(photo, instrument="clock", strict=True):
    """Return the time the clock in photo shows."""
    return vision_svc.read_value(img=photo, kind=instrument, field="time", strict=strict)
8:15:09
